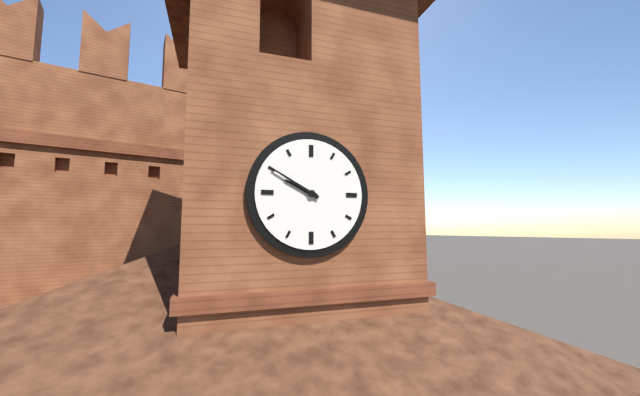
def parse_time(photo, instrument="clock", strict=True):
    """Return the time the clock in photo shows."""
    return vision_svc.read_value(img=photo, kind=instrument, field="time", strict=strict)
9:50
